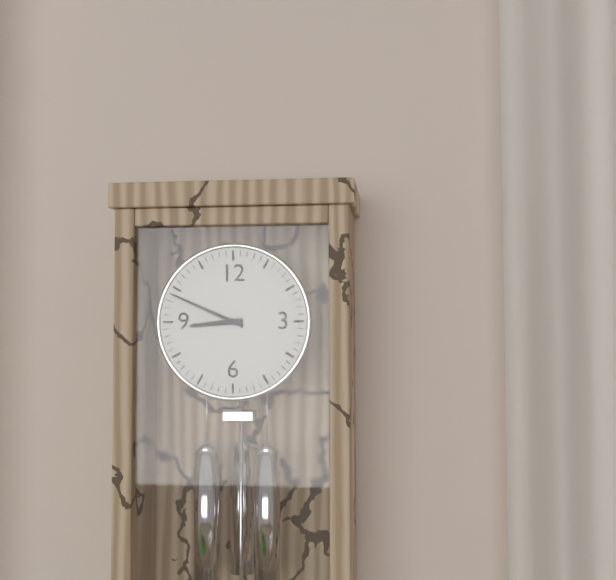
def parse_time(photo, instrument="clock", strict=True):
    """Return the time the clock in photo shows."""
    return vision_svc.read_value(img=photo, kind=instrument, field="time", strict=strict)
8:49
